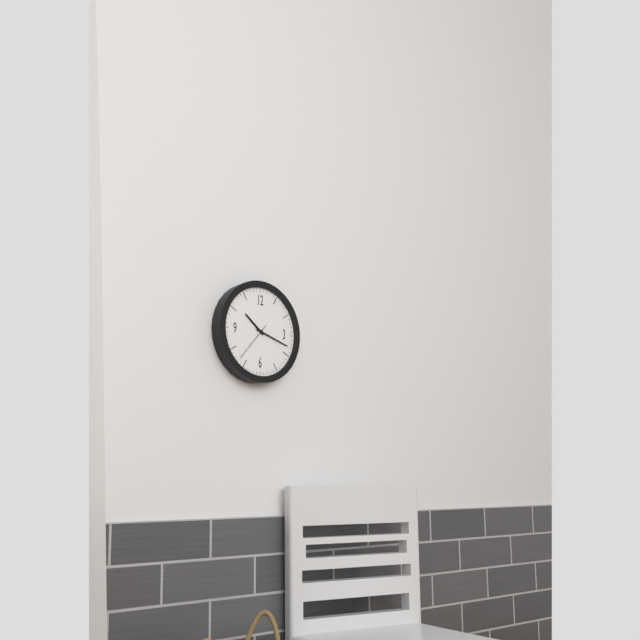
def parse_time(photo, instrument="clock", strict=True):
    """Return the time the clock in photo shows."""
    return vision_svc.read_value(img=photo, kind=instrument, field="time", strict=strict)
10:18
